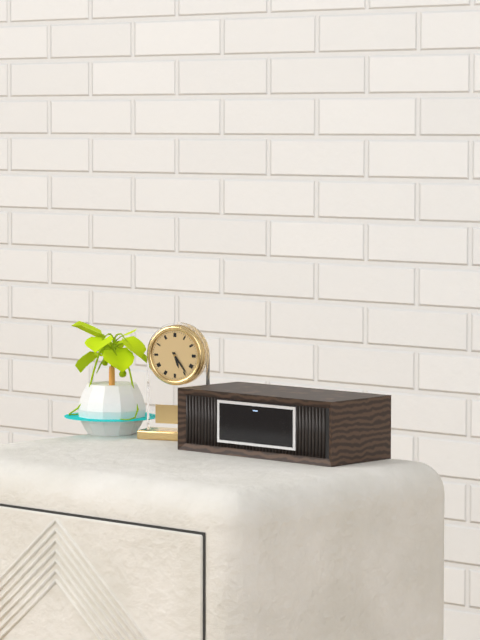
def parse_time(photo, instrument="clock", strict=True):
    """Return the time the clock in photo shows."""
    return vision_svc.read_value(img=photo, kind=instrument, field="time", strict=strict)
5:24
